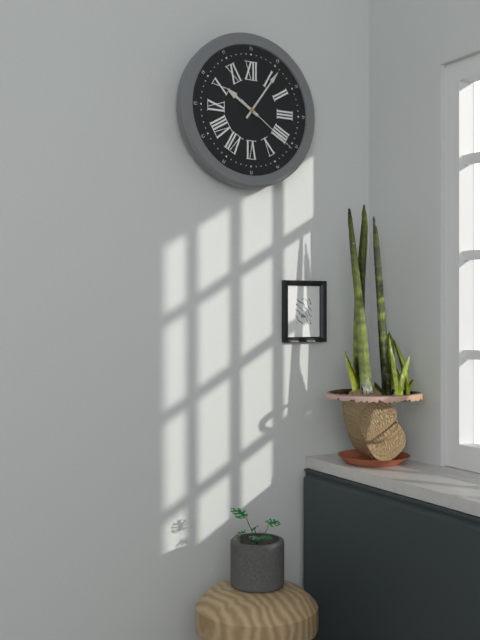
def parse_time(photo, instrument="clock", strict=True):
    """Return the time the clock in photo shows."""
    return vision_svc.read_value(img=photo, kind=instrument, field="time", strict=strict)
10:06:21
